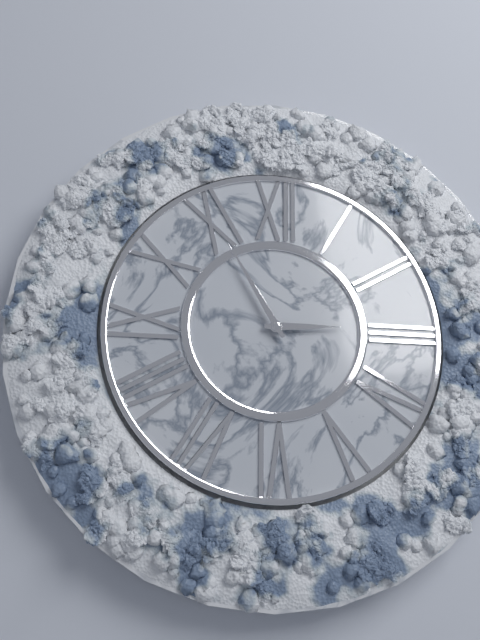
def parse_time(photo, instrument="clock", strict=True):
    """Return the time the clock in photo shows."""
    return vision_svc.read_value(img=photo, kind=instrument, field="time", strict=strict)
2:55
